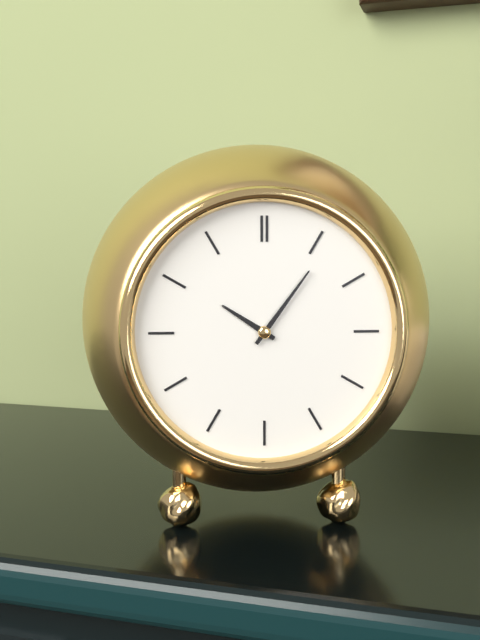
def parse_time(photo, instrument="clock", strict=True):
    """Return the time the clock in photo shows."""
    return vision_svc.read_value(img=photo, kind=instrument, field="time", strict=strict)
10:06
